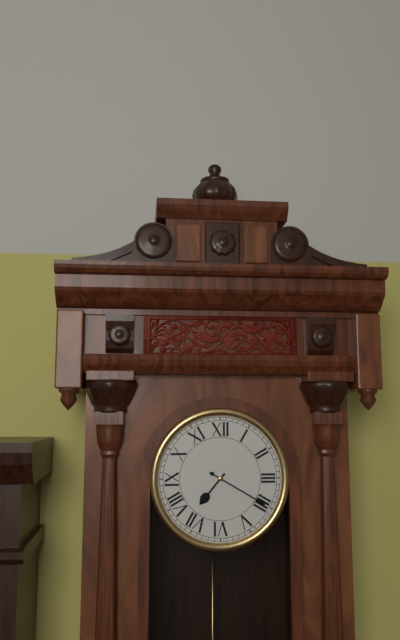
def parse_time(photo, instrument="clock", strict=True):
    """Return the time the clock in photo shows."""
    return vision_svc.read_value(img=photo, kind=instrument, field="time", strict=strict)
7:20
